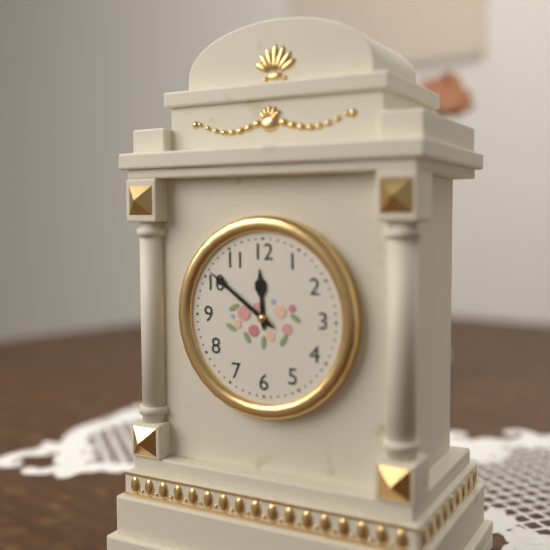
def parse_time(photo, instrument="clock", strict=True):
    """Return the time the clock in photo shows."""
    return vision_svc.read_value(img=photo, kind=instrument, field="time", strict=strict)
11:51
